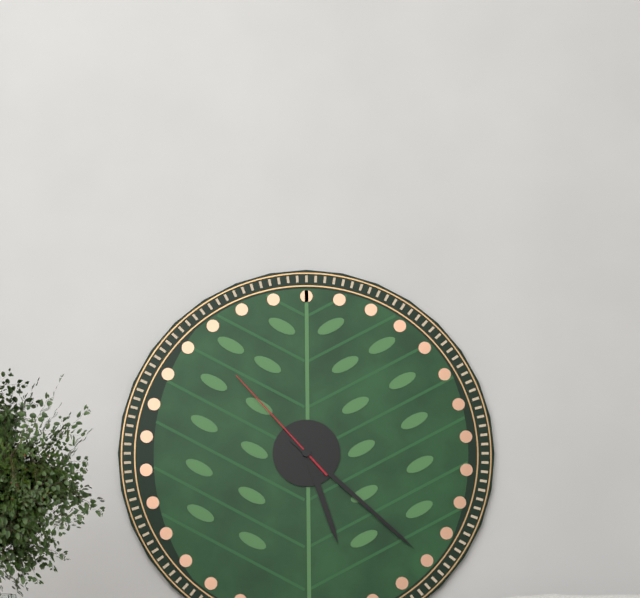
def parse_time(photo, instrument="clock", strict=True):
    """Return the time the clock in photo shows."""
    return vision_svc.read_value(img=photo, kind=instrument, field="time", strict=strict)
5:22:53
